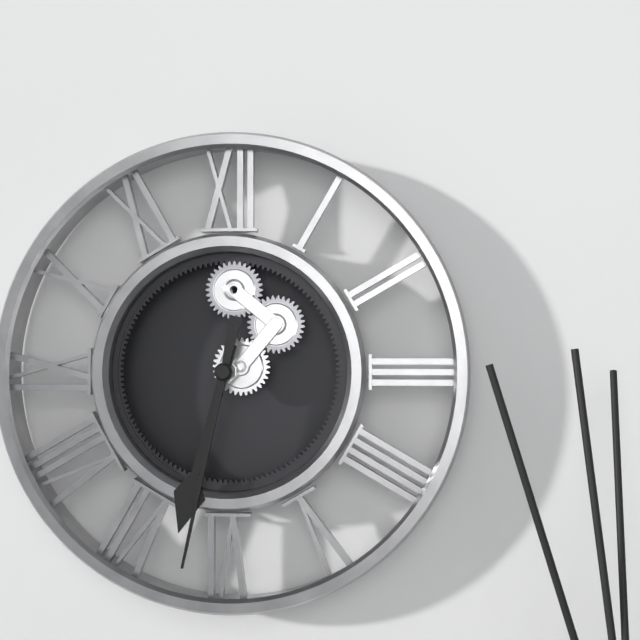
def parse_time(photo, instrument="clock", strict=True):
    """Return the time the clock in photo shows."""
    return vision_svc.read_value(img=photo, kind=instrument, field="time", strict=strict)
6:32
